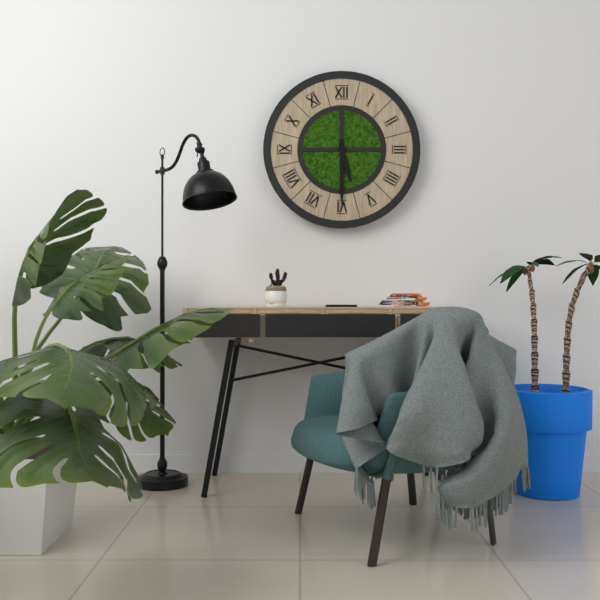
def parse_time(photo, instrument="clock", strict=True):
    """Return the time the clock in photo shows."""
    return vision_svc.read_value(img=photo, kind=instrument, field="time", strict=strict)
5:30
